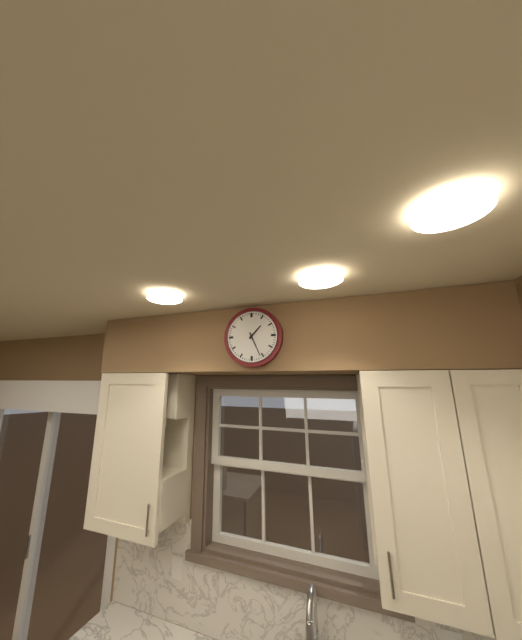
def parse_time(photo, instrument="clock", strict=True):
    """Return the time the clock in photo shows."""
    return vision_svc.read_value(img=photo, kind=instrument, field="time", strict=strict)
1:26
